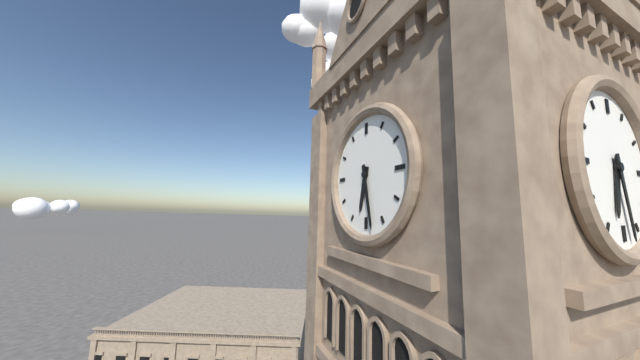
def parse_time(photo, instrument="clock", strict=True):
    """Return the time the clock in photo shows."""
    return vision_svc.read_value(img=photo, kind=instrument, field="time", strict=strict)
6:28
